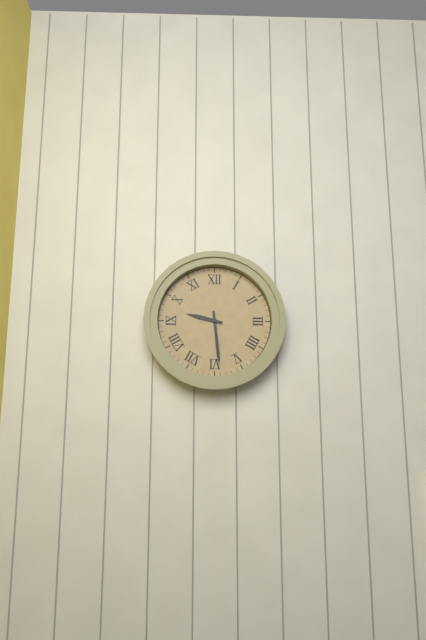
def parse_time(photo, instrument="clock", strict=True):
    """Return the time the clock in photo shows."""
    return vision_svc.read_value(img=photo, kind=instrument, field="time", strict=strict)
9:29
